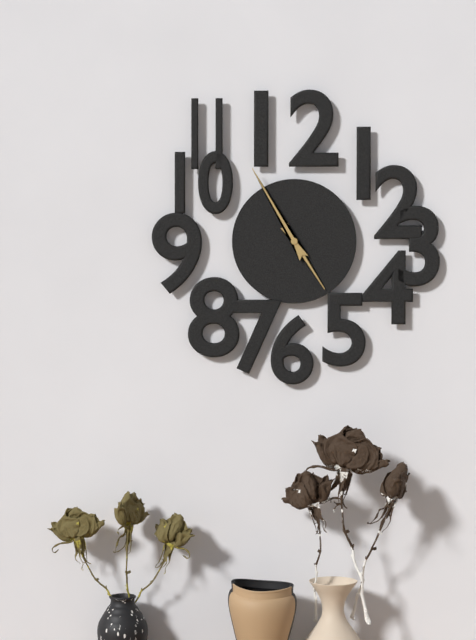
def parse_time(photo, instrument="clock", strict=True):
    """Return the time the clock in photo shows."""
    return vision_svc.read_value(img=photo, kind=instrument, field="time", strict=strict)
4:55
